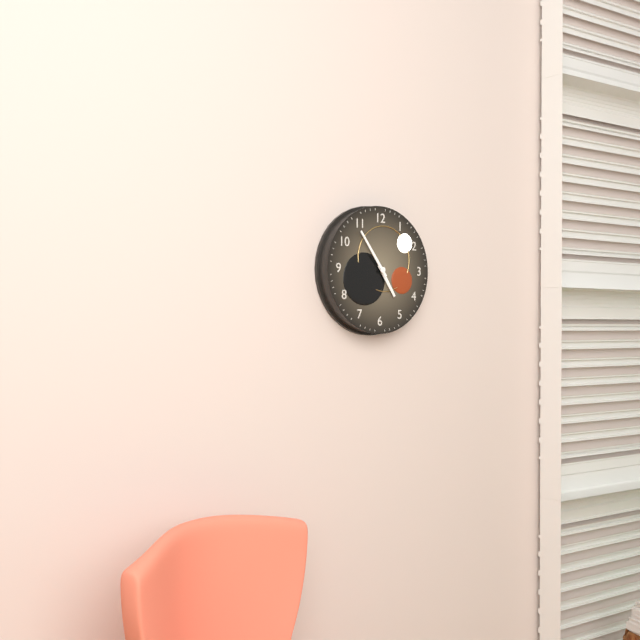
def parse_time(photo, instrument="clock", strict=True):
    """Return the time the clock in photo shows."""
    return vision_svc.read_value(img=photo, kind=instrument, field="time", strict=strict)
4:54
